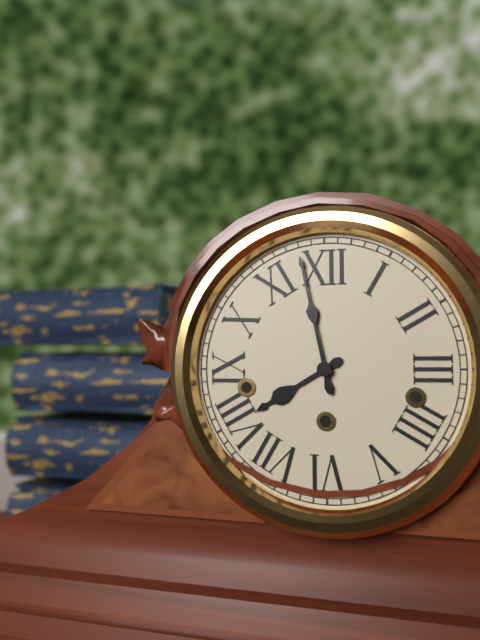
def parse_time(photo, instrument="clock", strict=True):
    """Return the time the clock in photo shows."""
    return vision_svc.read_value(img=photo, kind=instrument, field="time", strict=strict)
7:58
